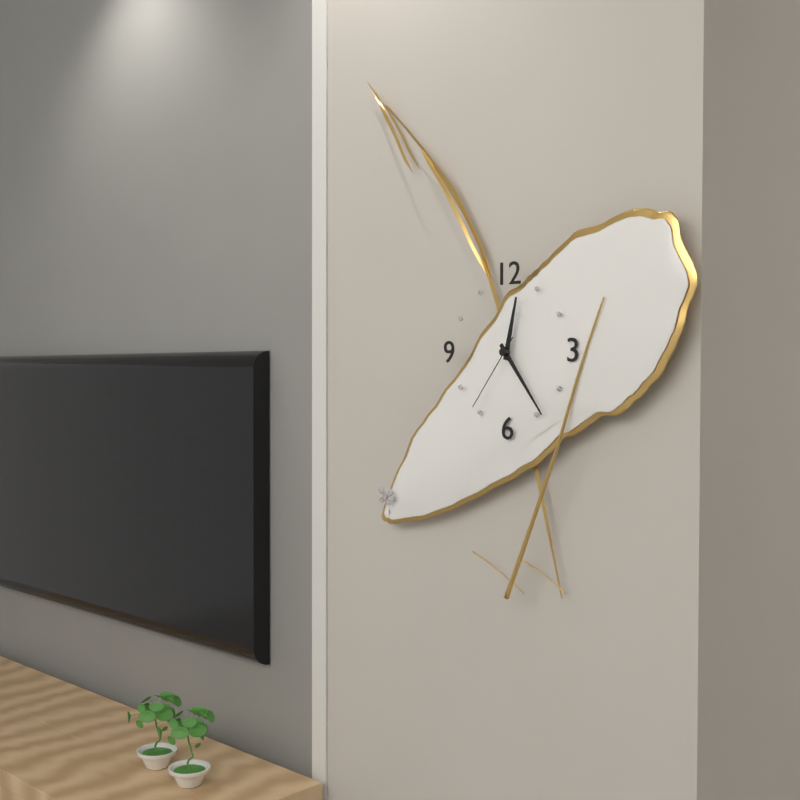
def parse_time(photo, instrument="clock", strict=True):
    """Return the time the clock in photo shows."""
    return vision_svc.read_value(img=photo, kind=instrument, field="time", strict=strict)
12:24:36
